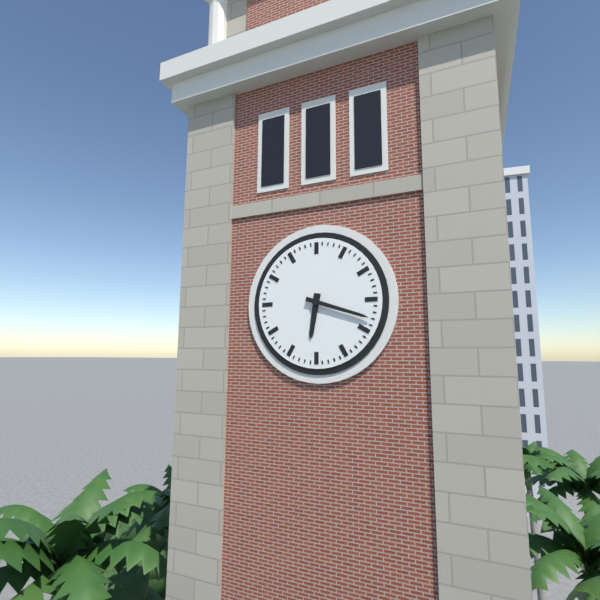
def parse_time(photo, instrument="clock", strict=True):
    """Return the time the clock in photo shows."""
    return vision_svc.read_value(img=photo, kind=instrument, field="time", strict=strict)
6:18
